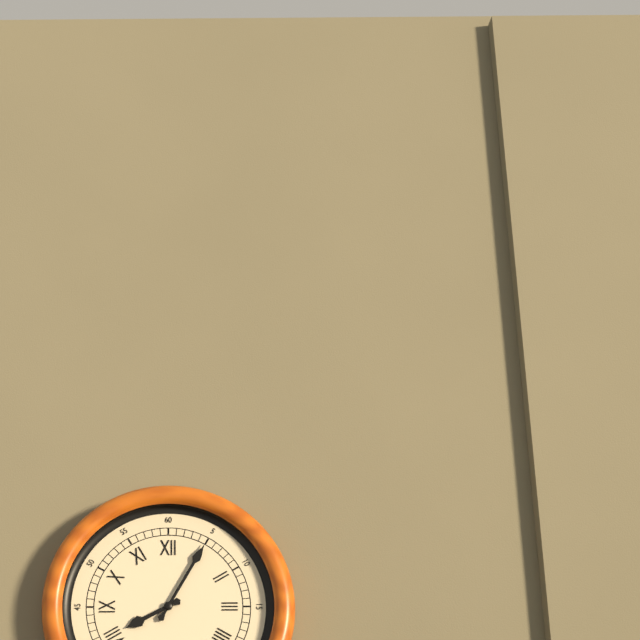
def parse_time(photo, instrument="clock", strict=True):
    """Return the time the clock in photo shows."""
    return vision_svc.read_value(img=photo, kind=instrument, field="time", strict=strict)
8:05
